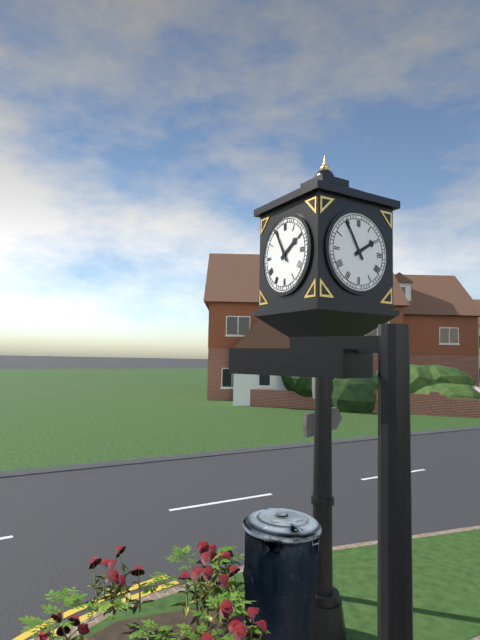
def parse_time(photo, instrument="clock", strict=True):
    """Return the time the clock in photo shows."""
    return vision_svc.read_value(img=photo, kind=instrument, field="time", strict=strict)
1:55
